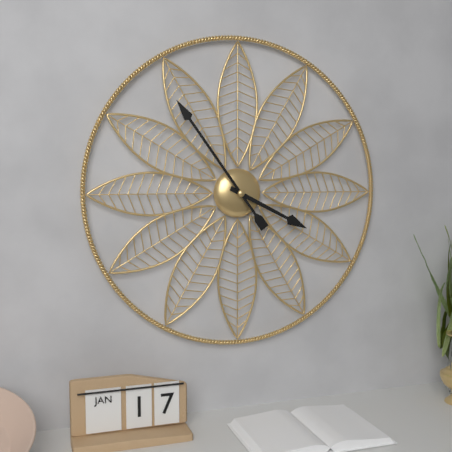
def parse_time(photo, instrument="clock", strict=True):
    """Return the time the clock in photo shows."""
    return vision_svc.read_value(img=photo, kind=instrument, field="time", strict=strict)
3:54
